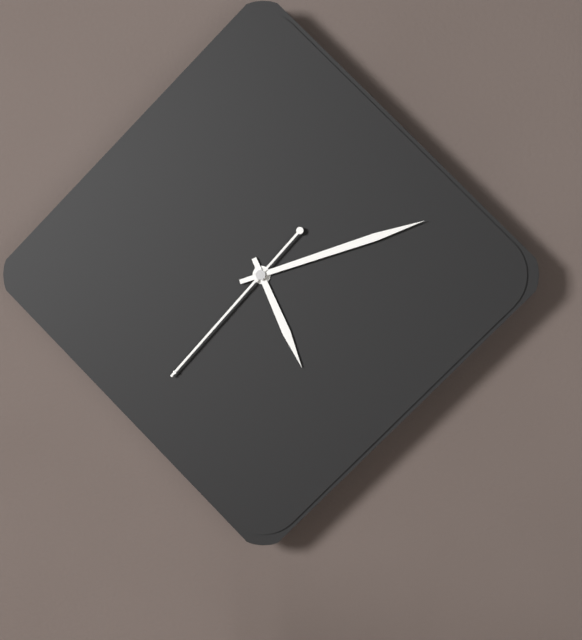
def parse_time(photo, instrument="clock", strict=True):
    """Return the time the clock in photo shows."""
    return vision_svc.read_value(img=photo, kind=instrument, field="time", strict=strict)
5:12:37
